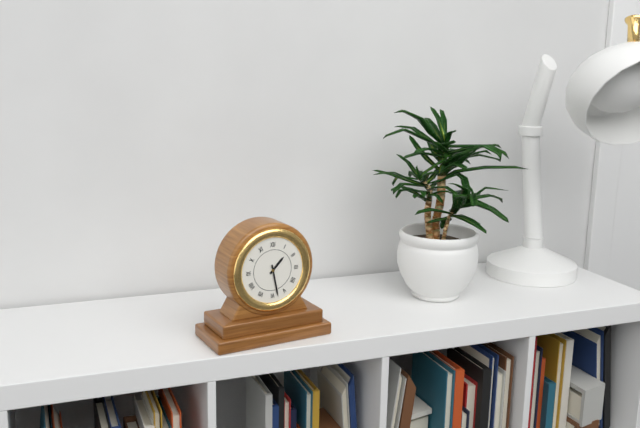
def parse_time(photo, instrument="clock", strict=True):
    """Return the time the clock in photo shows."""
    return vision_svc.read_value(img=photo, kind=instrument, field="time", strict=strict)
1:28
